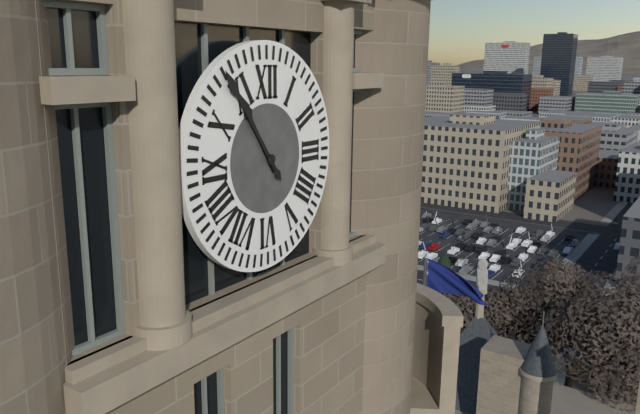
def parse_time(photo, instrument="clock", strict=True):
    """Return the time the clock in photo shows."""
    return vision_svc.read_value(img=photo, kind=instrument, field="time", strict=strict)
10:54
